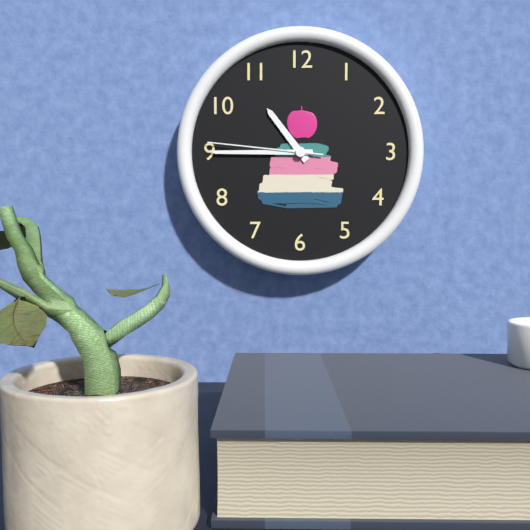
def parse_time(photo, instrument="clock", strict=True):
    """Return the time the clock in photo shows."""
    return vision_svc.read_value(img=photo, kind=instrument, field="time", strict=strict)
10:45:46
